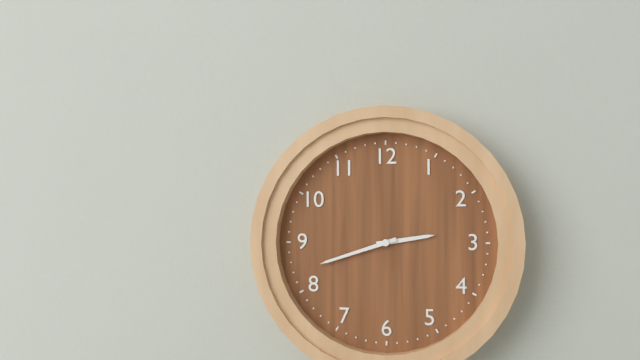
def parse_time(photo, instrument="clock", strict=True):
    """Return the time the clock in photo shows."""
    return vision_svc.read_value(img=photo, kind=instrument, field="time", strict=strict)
2:42
